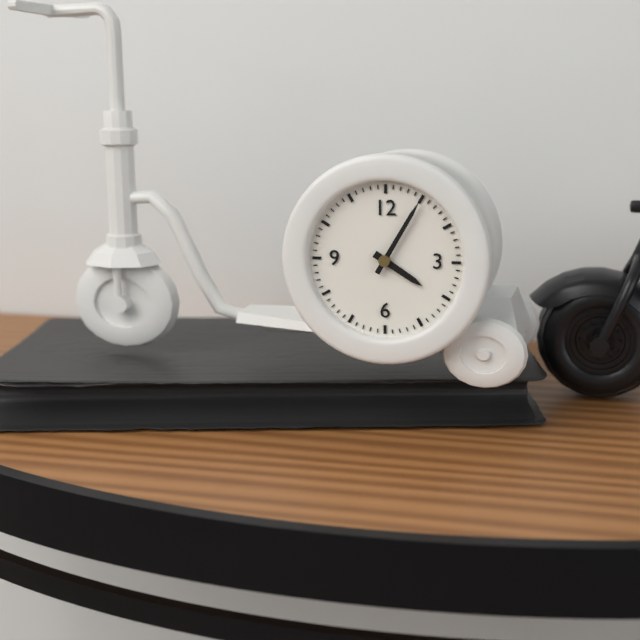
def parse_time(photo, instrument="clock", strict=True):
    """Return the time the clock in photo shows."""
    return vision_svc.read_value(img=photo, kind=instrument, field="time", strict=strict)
4:05
